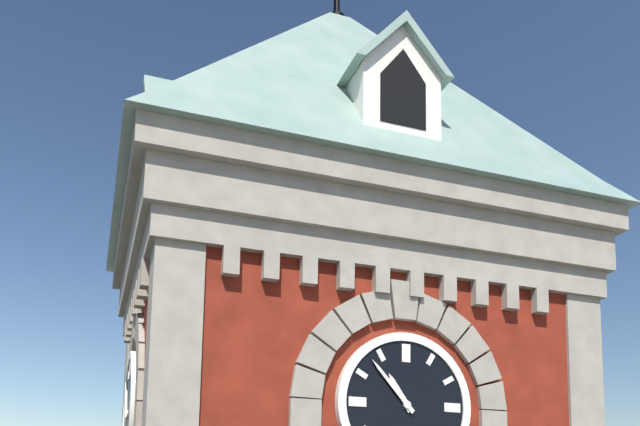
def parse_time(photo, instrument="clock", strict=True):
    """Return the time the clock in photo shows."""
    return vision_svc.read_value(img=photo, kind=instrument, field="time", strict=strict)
10:53
